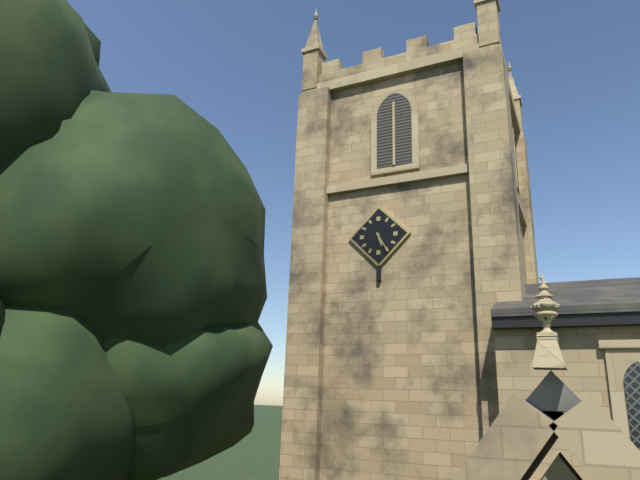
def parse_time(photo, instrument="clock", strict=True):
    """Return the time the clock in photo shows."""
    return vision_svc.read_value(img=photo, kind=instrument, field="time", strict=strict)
5:25
